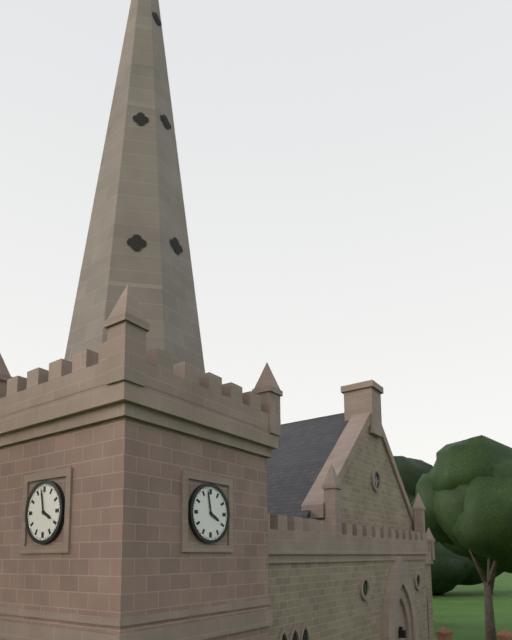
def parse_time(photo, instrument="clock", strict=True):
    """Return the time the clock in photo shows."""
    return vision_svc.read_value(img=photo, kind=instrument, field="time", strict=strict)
3:58
